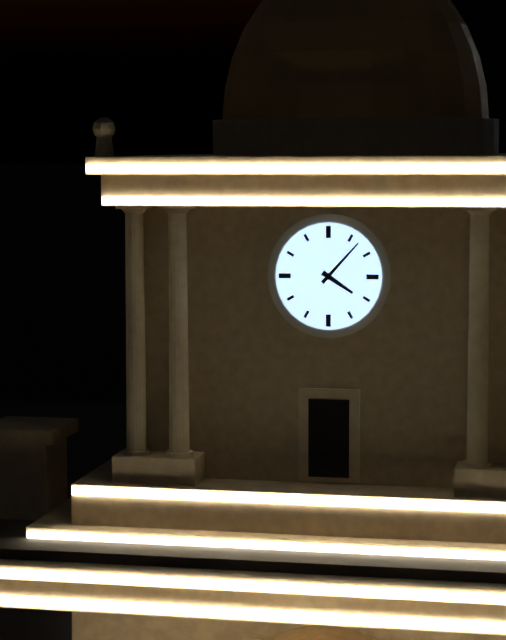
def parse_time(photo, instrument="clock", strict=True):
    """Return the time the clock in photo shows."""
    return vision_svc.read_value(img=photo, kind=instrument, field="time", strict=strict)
4:07
